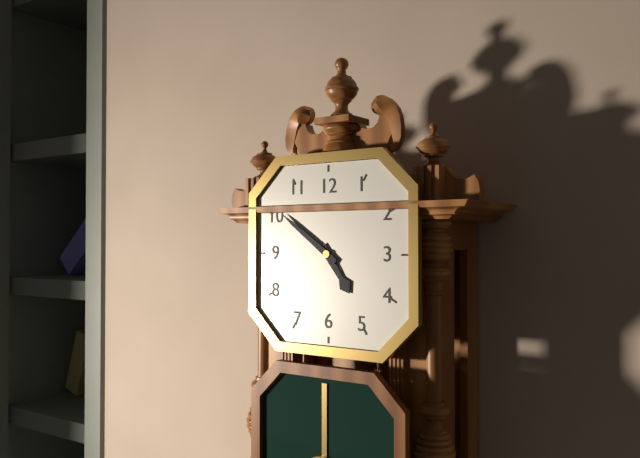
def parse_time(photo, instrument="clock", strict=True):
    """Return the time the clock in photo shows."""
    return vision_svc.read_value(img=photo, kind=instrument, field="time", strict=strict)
4:51
